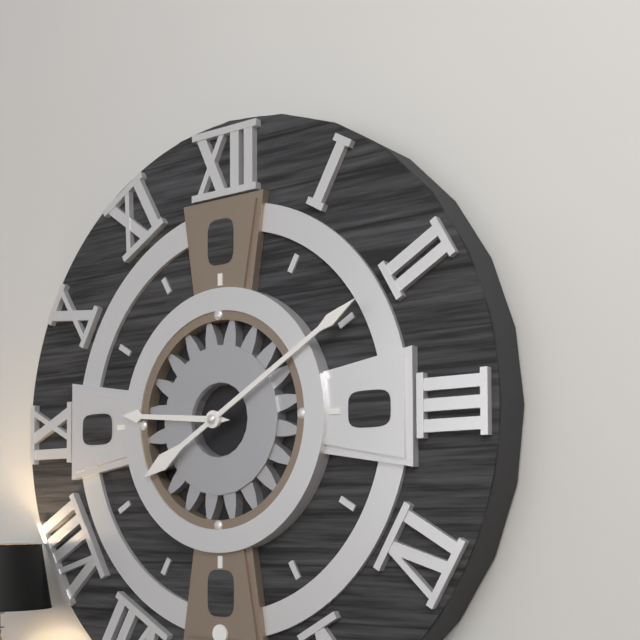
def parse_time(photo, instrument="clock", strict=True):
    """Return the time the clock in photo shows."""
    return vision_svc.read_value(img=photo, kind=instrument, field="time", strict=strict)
9:10
